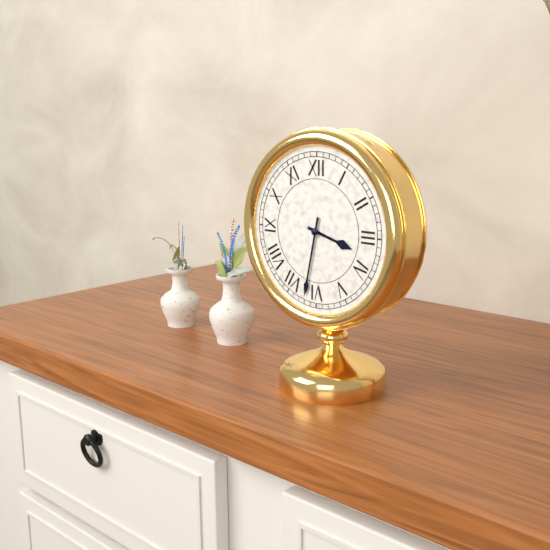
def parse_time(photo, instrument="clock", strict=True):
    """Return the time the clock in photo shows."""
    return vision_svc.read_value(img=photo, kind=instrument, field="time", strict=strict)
3:32
